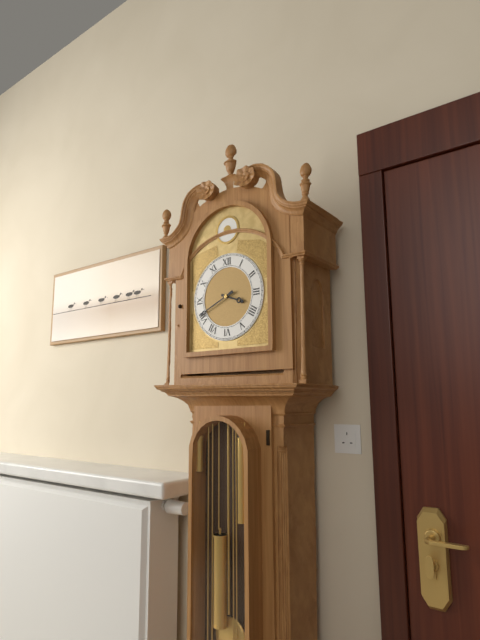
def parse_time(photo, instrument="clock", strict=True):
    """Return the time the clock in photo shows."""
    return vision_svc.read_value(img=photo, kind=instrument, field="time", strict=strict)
3:41
